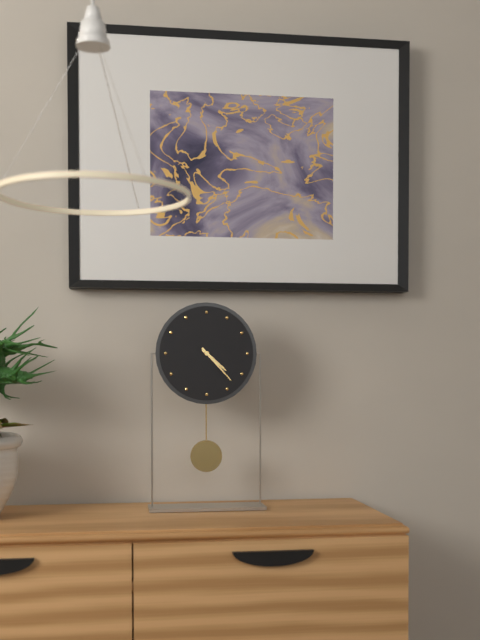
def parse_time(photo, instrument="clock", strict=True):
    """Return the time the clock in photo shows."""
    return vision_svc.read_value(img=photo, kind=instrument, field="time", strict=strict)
4:23
